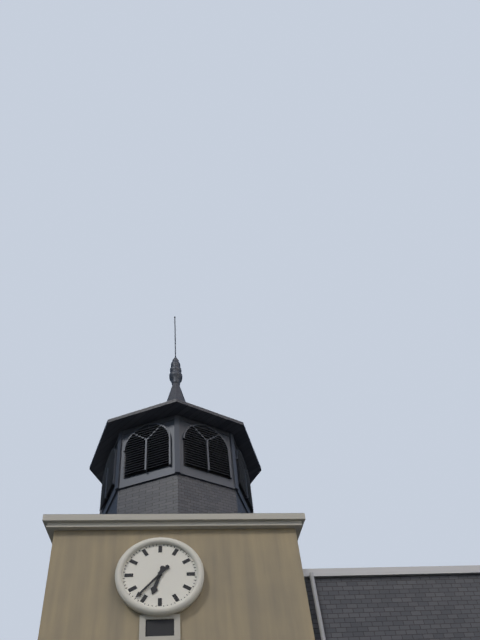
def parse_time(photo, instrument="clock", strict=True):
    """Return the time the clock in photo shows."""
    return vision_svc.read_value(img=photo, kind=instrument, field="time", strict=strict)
6:37
